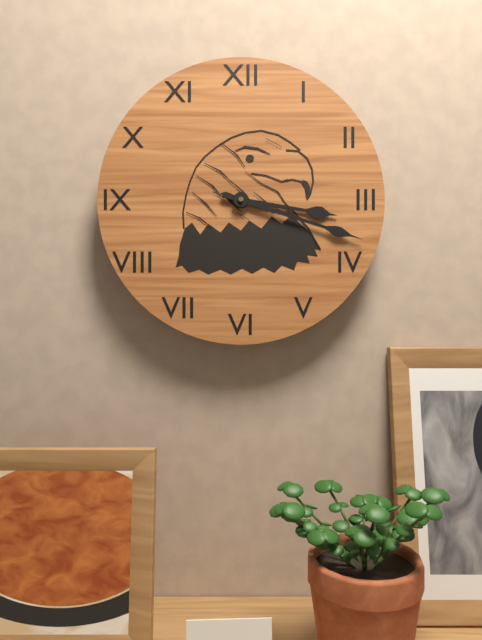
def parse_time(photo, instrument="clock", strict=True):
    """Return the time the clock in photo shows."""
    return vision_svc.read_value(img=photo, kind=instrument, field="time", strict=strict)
3:18
